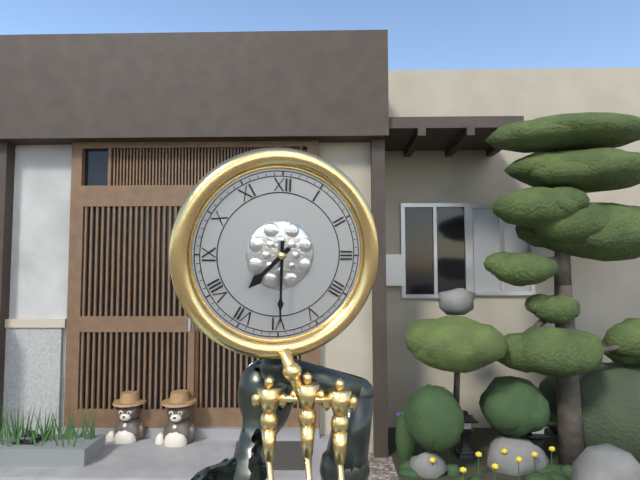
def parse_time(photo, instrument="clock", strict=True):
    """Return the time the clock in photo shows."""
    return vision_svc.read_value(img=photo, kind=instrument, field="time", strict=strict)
7:30
